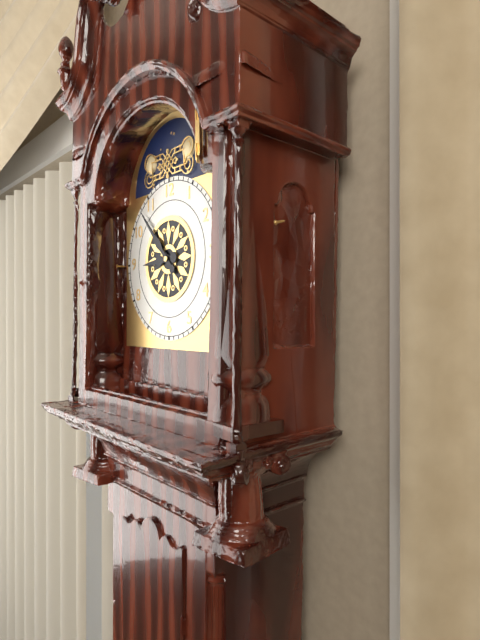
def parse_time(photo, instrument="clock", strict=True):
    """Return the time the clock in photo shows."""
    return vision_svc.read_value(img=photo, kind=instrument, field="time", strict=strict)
8:53
